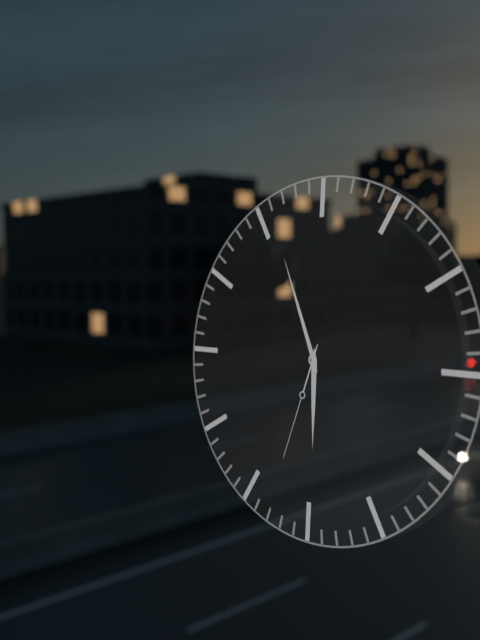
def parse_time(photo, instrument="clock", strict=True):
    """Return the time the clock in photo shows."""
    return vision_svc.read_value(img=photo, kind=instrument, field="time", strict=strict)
5:56:33
